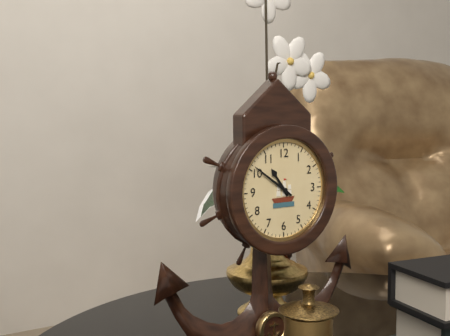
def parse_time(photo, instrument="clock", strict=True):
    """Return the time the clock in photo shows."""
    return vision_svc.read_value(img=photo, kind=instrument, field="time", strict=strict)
10:51
